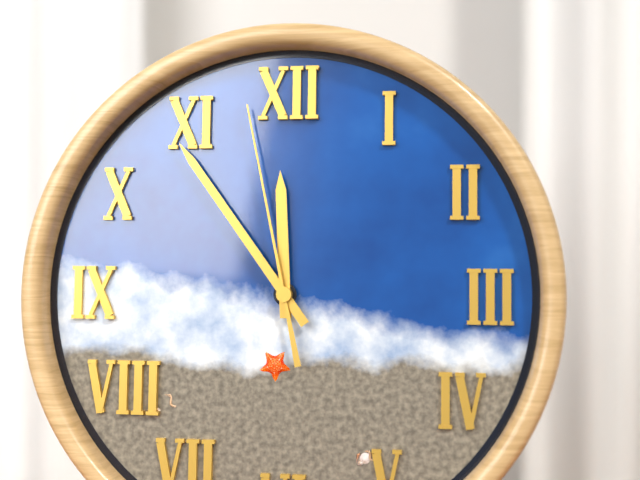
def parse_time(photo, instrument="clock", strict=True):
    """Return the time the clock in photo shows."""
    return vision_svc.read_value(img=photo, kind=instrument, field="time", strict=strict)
11:54:58
